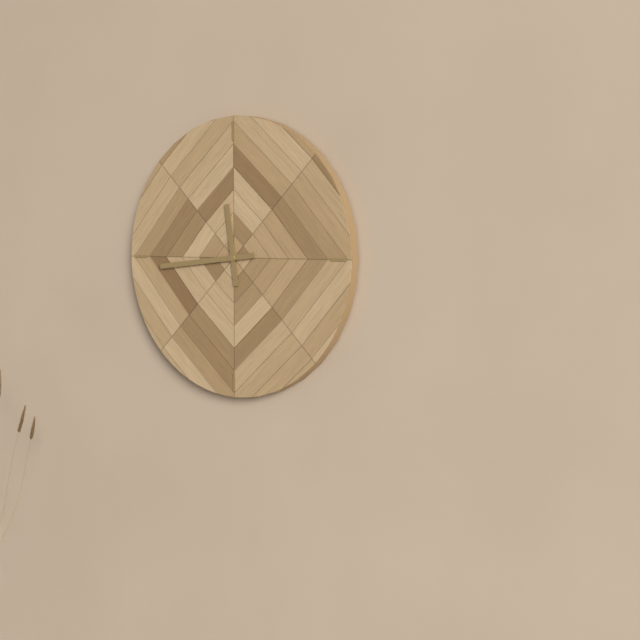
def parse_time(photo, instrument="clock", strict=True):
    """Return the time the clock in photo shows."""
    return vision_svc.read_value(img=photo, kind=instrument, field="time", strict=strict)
11:44
